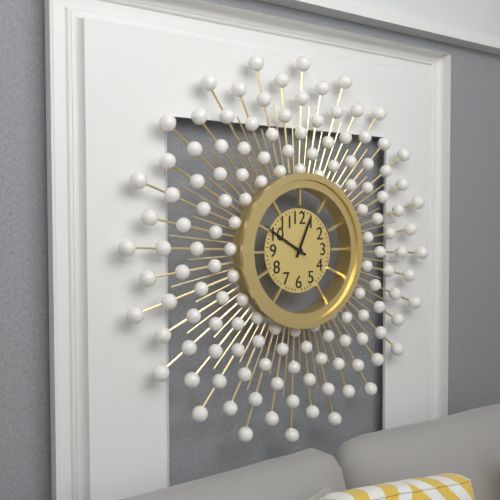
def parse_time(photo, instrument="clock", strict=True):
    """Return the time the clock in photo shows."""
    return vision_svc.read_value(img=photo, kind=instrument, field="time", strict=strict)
12:50
